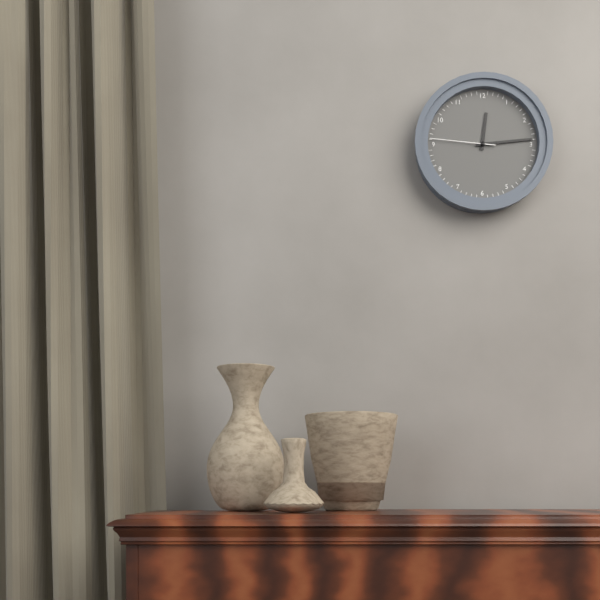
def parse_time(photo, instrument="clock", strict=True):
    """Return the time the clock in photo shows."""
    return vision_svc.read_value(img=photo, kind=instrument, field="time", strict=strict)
12:14:46
